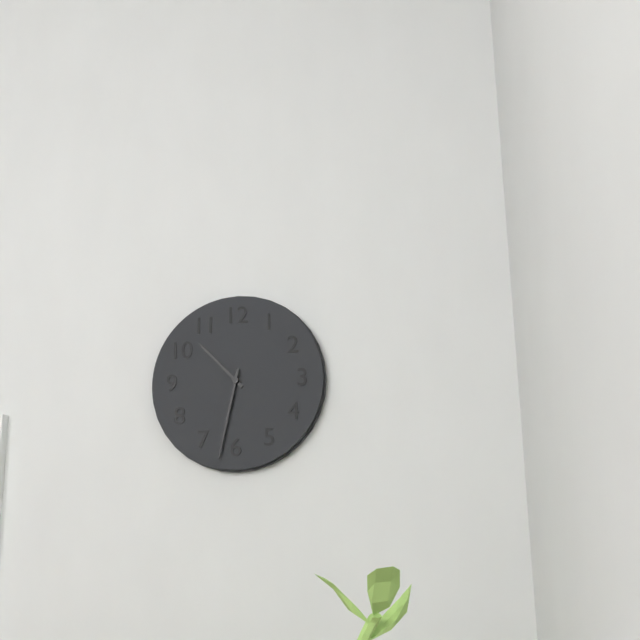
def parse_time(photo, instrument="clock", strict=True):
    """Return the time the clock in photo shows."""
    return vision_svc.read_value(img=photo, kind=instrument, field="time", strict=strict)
10:32
